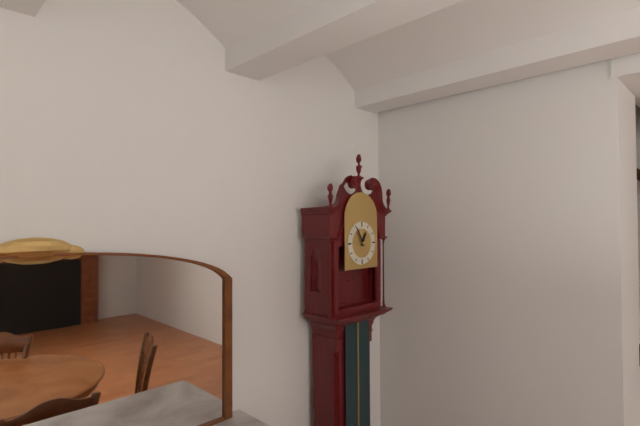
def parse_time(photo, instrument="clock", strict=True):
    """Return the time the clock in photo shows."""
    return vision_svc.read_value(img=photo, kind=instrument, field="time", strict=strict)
12:55
